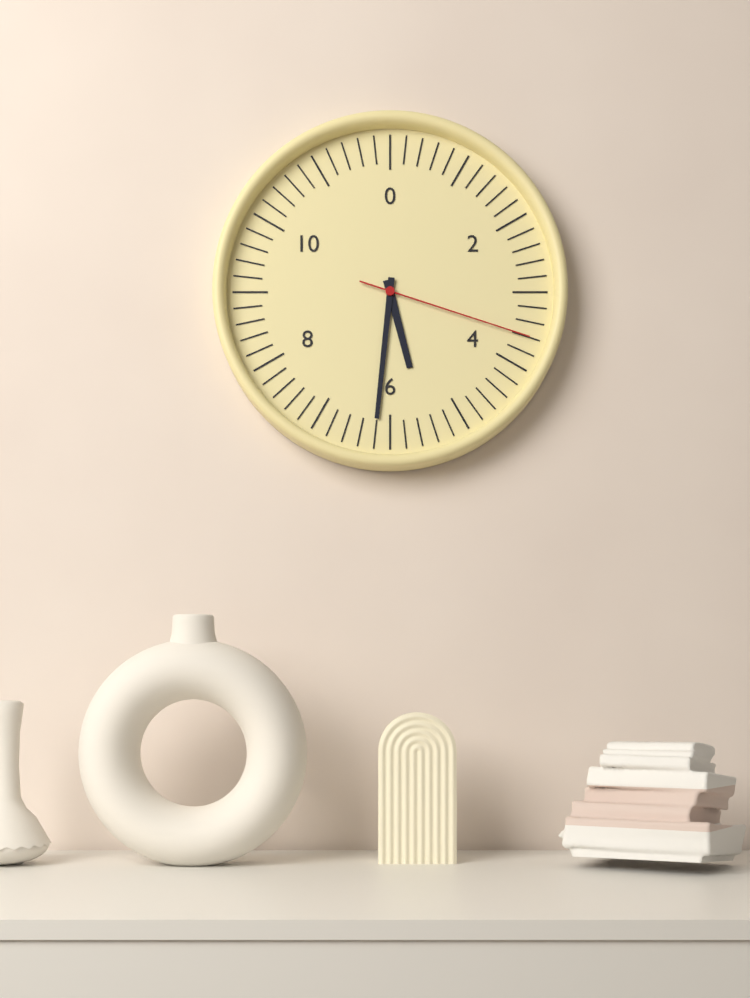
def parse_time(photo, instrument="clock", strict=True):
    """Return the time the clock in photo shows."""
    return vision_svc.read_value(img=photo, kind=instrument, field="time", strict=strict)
5:31:18
